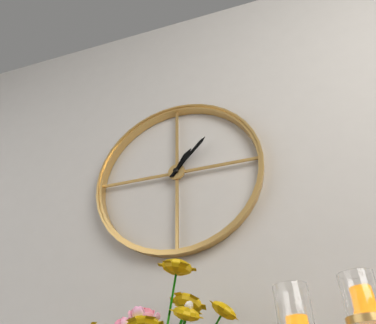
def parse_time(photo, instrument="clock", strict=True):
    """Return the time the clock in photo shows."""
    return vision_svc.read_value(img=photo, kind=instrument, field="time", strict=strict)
1:07
